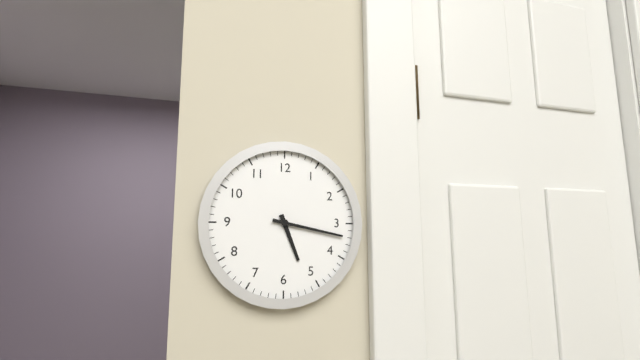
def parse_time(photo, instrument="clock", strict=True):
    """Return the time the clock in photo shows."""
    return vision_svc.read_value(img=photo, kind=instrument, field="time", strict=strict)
5:17
